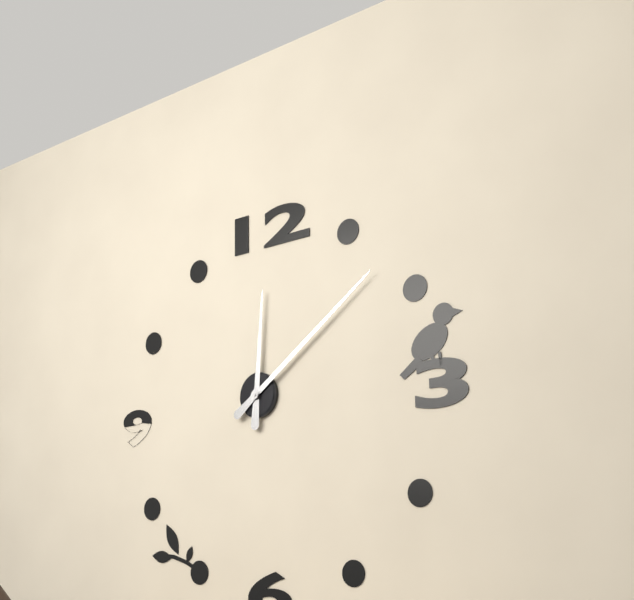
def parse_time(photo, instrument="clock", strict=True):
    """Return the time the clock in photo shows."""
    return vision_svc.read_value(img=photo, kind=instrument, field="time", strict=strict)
12:09
